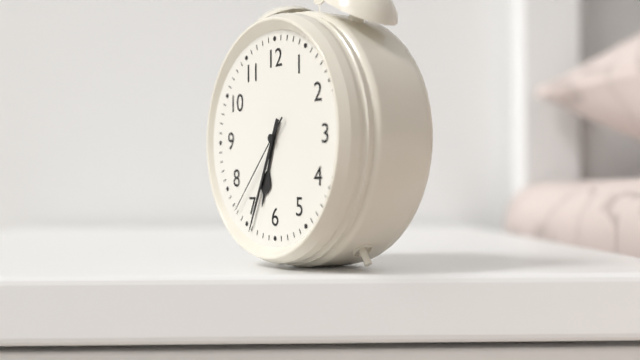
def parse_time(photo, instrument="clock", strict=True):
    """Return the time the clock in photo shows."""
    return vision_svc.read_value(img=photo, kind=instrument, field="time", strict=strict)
6:34:37
